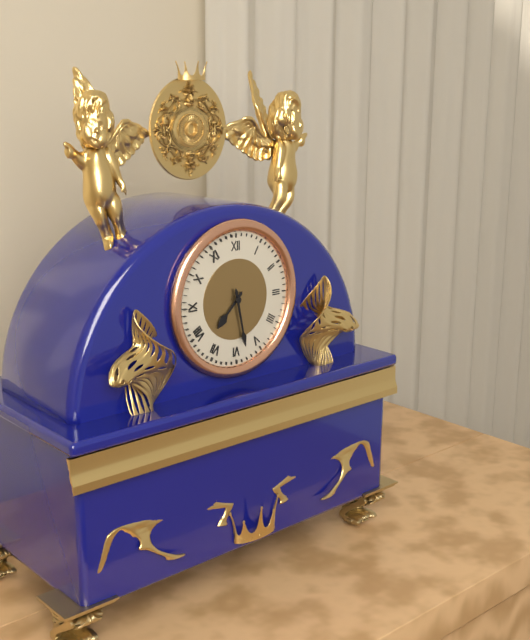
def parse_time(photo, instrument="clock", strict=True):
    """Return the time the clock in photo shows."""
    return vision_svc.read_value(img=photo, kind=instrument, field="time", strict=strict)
7:28
